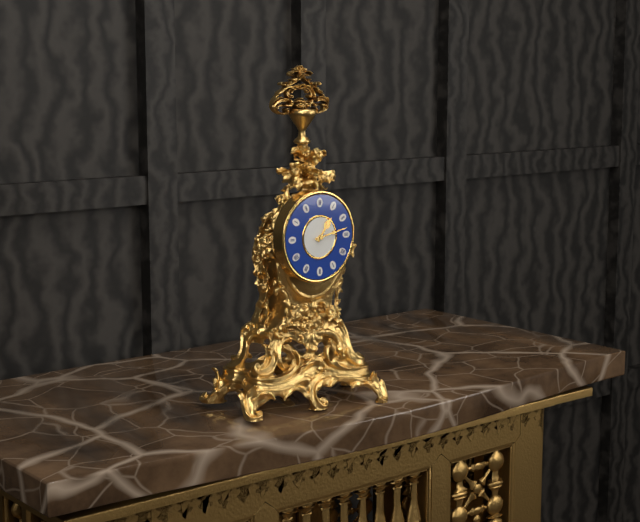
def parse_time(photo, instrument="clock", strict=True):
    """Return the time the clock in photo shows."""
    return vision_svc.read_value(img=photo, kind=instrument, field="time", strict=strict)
1:13
